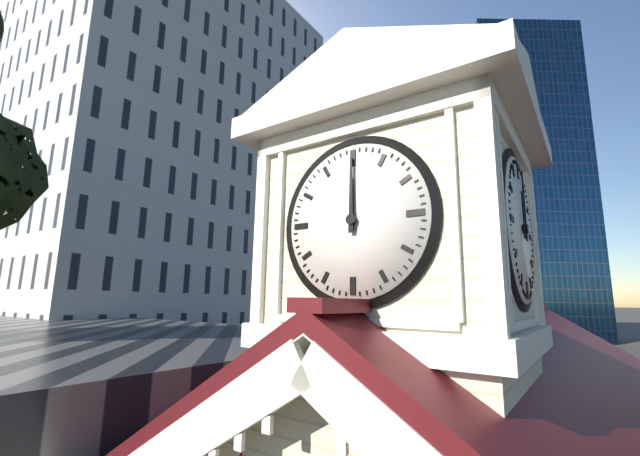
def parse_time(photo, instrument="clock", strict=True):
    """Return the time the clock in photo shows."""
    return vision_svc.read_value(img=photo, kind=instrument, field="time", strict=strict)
12:00
